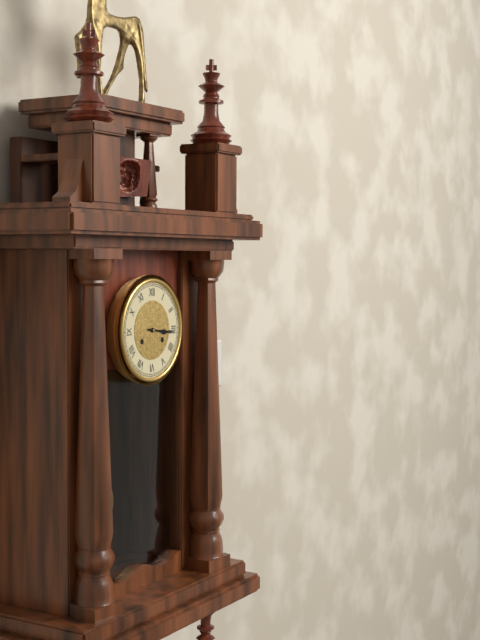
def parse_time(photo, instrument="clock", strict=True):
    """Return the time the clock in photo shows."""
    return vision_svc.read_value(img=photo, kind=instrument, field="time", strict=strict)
3:16
